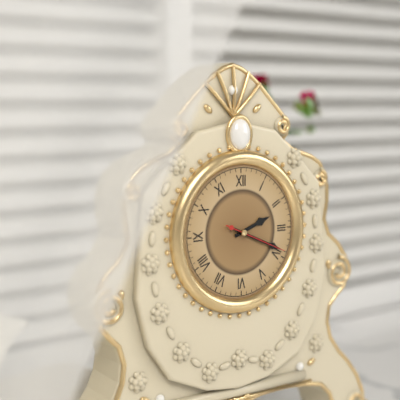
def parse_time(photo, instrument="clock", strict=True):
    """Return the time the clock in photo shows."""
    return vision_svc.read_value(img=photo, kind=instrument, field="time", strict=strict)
2:19:19
